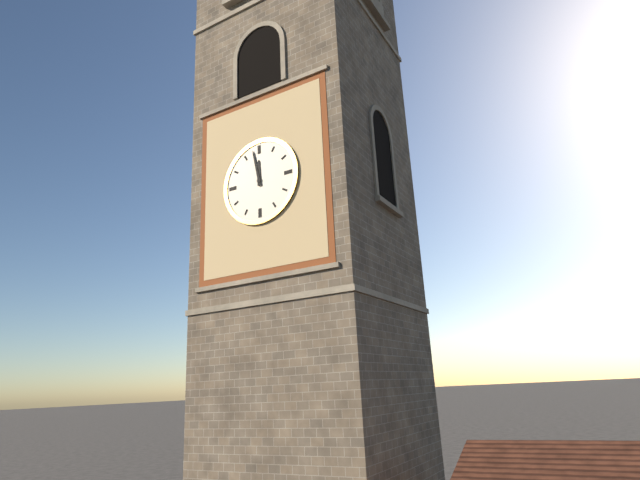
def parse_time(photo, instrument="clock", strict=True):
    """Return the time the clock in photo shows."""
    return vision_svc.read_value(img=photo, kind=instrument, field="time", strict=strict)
11:58
